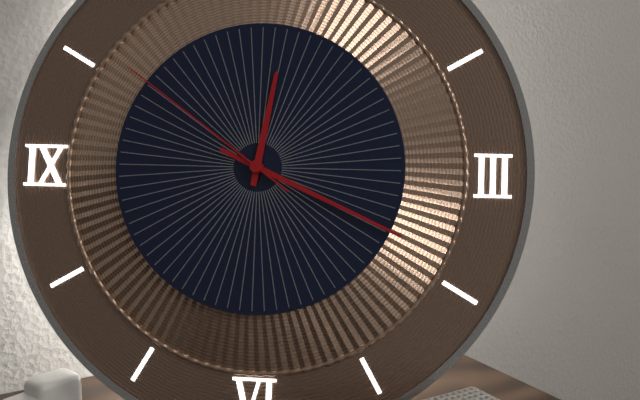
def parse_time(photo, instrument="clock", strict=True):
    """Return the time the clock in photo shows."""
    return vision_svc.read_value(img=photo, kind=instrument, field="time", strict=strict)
12:19:51
